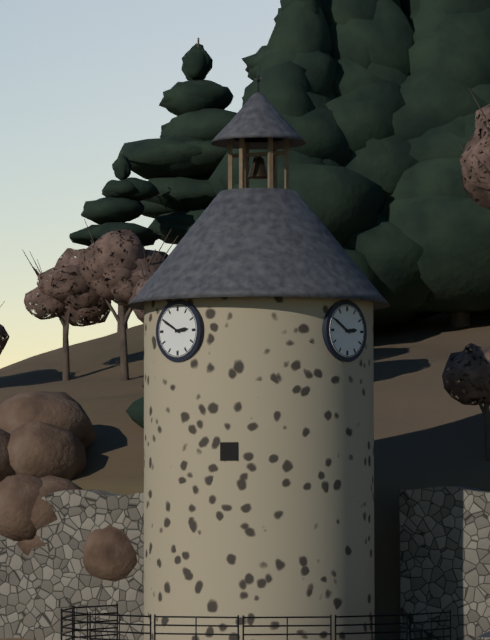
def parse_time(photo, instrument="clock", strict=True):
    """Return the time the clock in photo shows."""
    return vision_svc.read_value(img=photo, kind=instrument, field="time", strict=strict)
2:50
